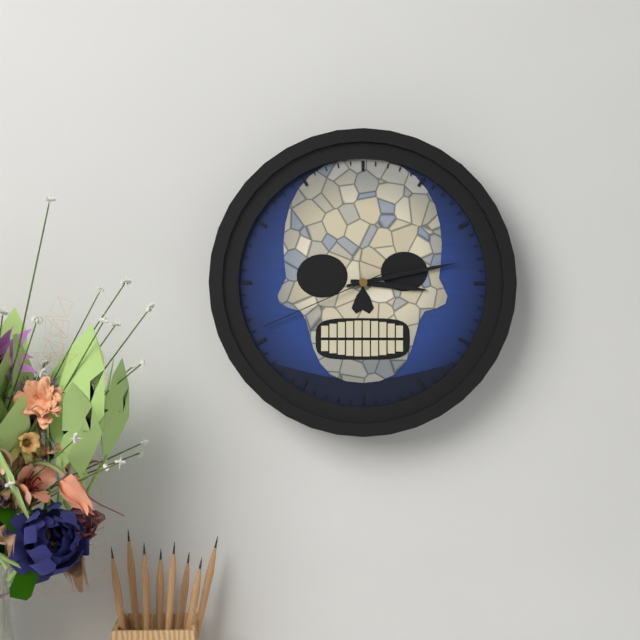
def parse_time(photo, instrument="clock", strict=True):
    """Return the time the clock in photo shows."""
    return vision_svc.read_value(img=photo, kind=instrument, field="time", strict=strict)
3:13:41
